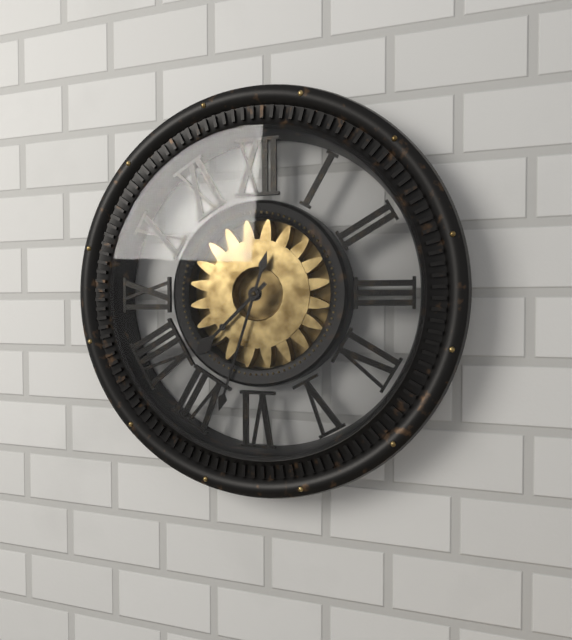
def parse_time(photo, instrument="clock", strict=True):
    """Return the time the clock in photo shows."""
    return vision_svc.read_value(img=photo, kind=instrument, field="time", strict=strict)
7:33
